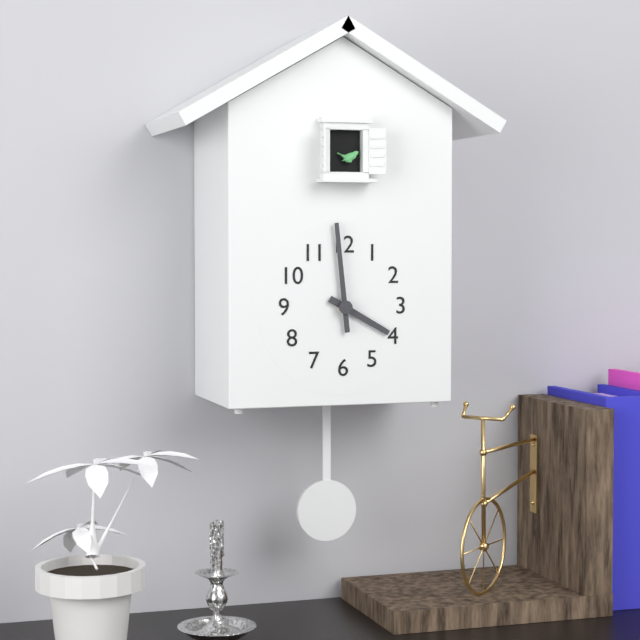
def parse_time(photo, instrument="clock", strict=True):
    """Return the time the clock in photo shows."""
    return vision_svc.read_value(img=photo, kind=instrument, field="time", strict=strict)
3:59
